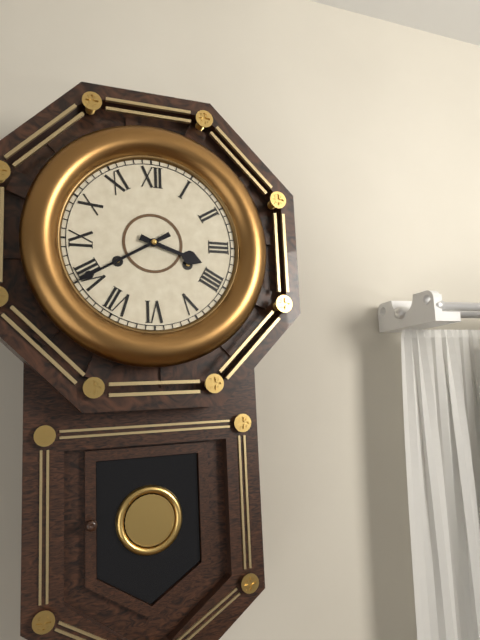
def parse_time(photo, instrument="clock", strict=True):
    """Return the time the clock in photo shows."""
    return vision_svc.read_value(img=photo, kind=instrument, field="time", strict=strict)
3:40
